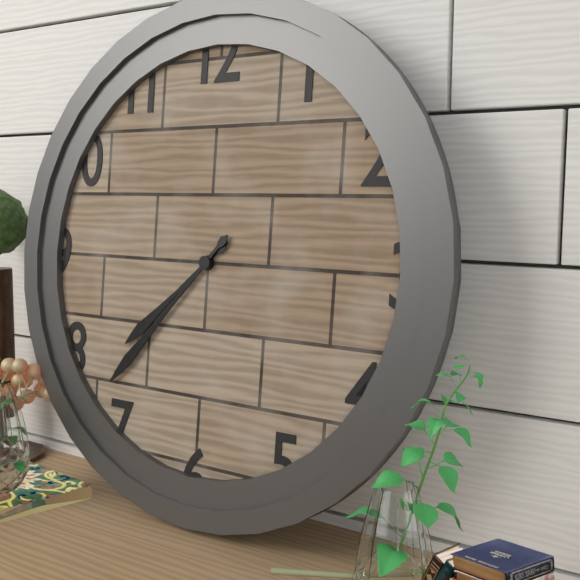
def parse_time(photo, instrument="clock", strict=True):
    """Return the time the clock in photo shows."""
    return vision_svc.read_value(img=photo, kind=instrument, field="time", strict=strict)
7:37
